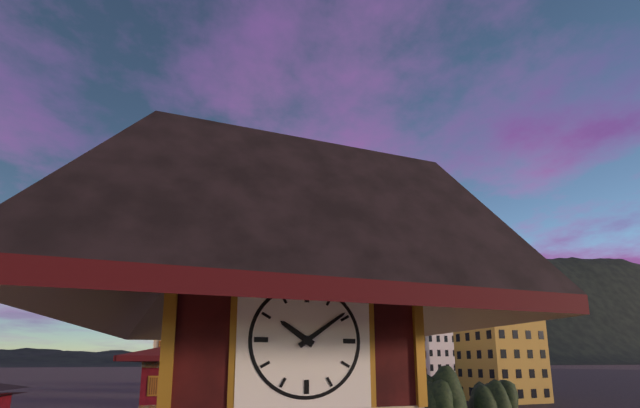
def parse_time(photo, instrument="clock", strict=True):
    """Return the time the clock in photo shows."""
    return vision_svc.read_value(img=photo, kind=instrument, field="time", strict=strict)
10:09
